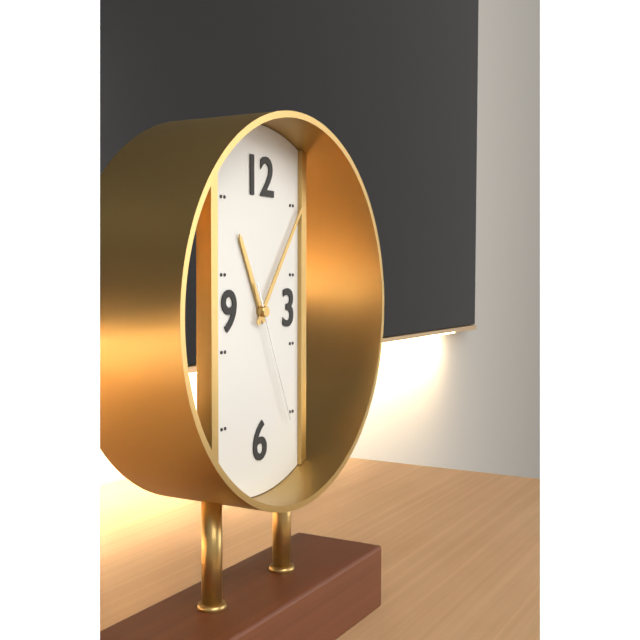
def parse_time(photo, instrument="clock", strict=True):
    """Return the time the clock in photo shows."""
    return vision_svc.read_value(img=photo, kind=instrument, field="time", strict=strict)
11:06:26
